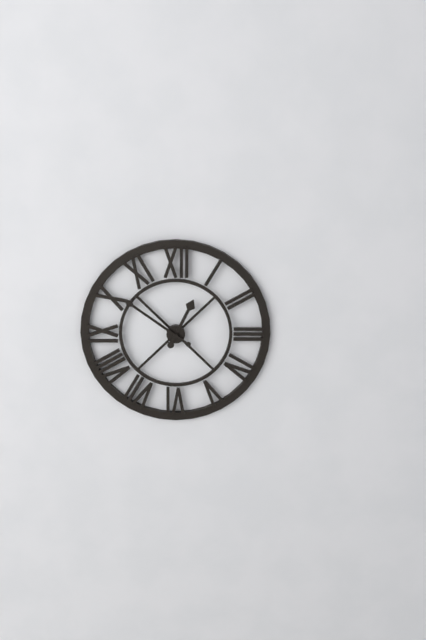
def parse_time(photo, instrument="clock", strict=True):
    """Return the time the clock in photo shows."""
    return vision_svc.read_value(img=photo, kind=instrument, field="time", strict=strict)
12:51
